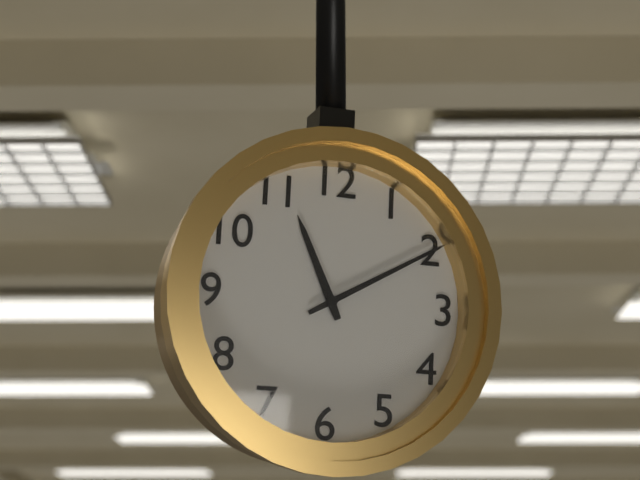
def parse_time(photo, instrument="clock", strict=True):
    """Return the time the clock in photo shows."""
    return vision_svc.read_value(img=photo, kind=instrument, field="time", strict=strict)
11:10
